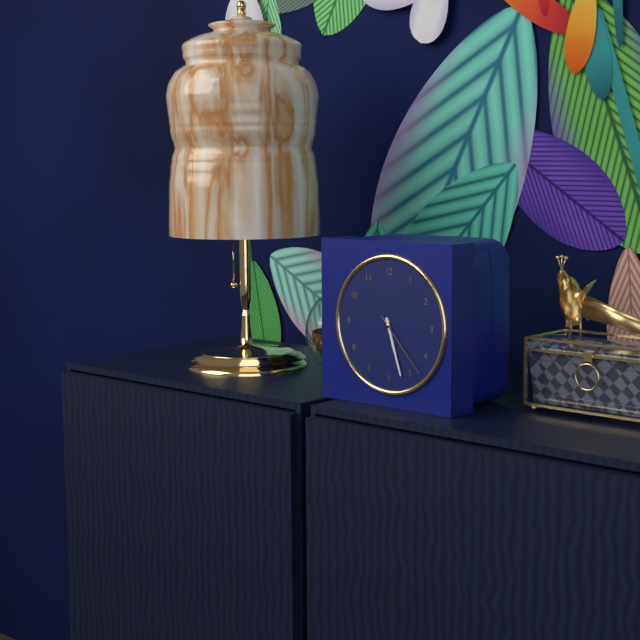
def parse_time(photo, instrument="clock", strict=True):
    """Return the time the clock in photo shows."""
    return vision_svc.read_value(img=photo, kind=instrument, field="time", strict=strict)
5:27:23
